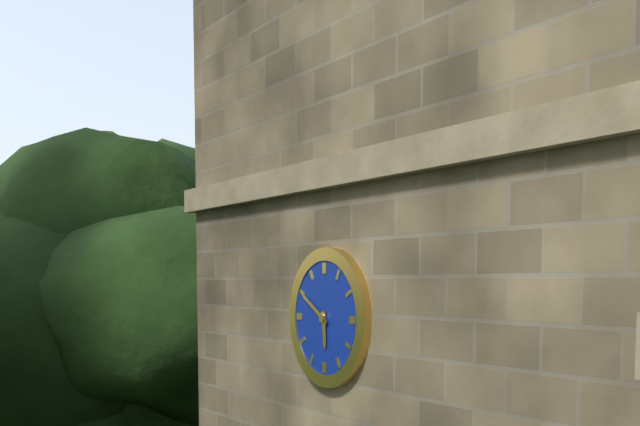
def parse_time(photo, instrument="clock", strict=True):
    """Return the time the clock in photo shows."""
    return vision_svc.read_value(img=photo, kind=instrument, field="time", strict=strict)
5:50
